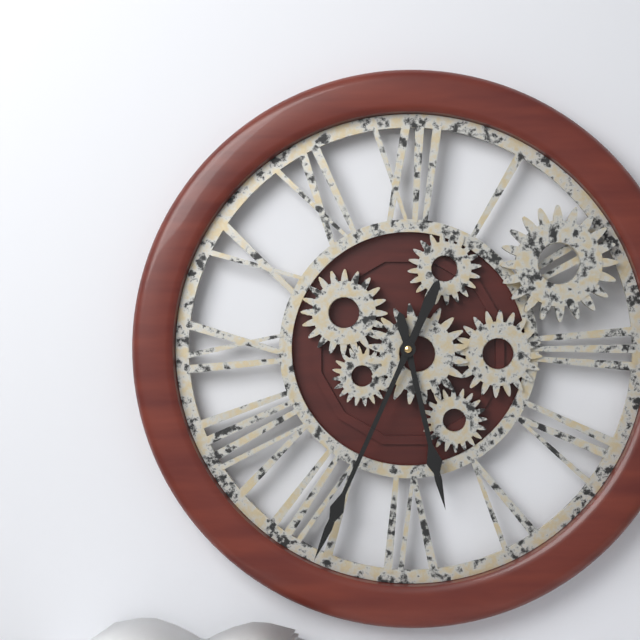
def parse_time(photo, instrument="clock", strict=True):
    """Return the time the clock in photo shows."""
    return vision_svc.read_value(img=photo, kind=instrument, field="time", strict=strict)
5:34
